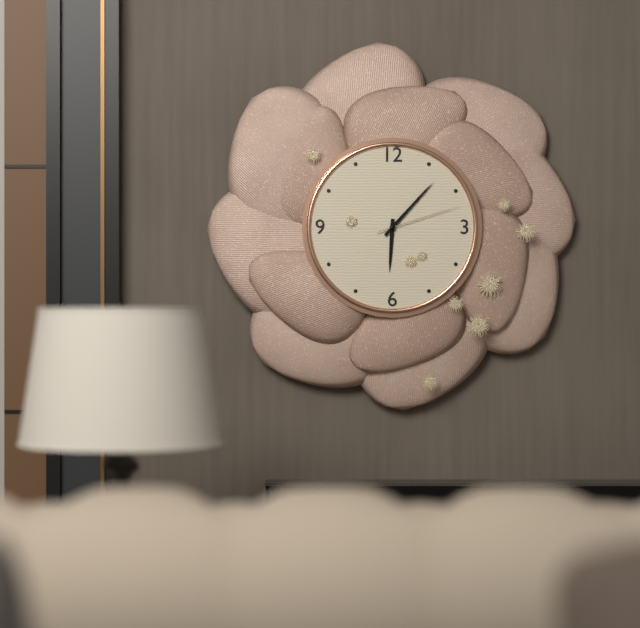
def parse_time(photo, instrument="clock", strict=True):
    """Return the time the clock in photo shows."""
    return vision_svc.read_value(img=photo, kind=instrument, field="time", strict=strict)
6:07:12
